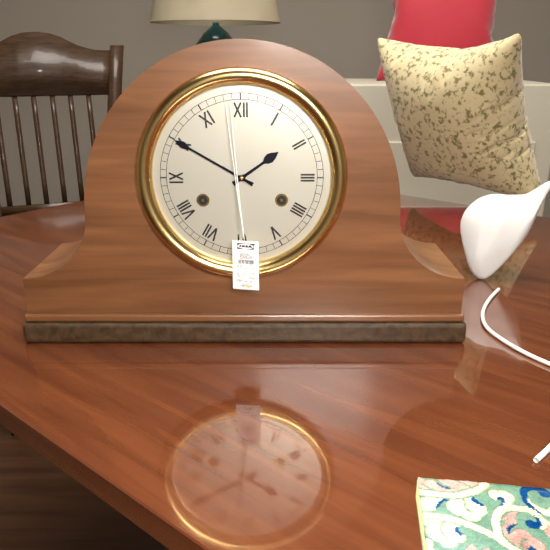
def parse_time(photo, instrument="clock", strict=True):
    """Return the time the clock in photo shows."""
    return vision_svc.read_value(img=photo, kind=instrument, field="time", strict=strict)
1:50
